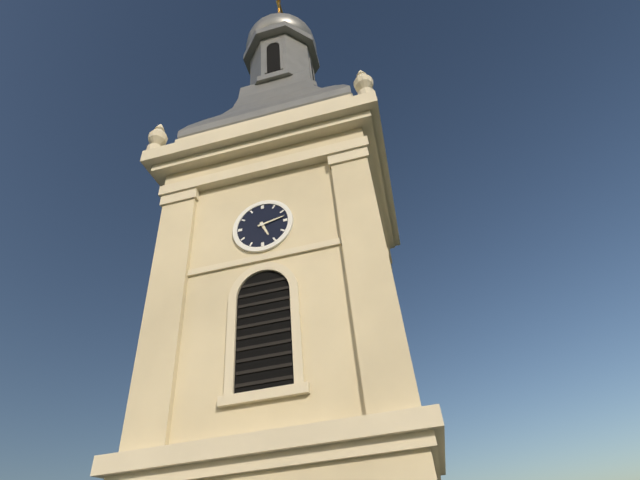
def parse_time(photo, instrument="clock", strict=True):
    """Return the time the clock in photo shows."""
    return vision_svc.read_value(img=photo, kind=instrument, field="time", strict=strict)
5:13
